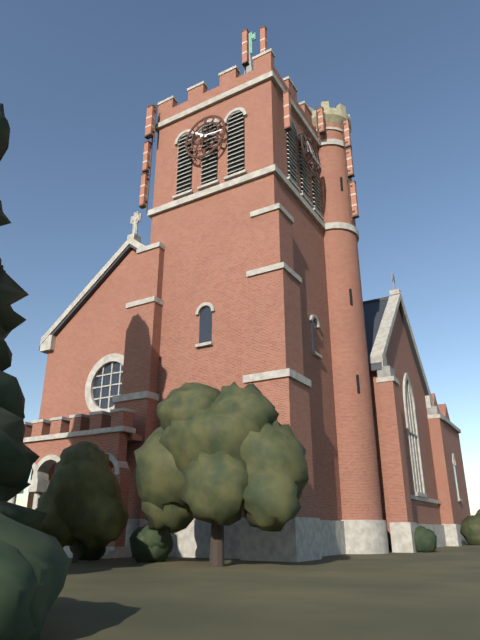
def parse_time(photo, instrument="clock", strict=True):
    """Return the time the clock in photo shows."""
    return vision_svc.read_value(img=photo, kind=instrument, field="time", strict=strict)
10:16
